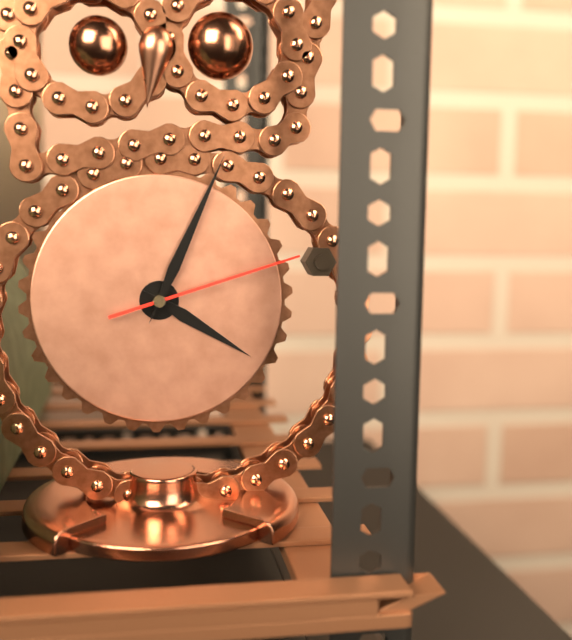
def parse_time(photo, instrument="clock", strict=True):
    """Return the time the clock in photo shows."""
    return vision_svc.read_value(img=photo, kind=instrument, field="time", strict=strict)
4:04:12
